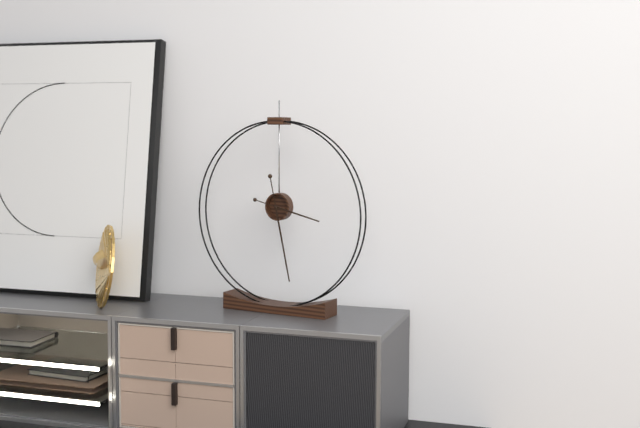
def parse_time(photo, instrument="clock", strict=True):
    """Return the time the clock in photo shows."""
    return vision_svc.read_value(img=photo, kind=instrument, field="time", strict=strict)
3:28
